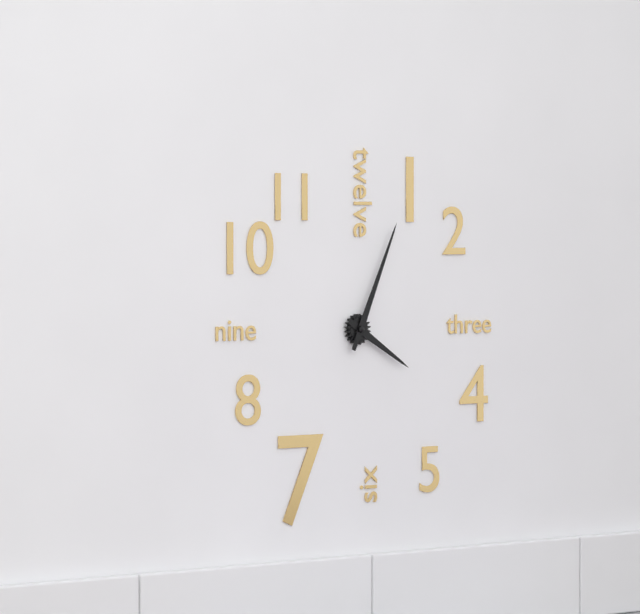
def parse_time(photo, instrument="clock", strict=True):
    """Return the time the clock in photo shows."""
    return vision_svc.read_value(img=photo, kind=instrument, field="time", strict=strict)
4:04
